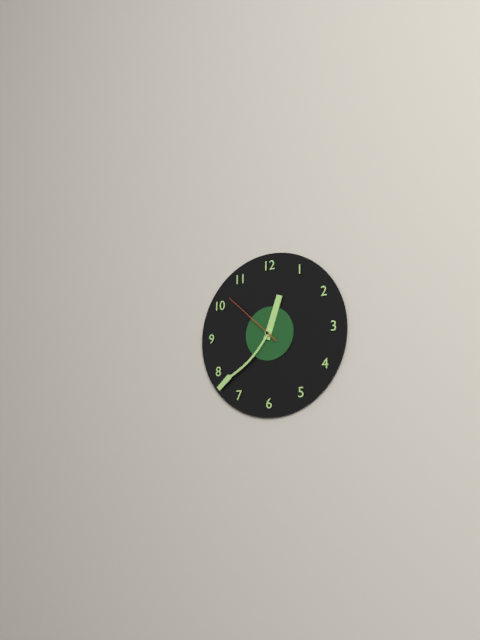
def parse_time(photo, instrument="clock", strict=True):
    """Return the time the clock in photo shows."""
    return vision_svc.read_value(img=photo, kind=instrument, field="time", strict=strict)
12:38:52
